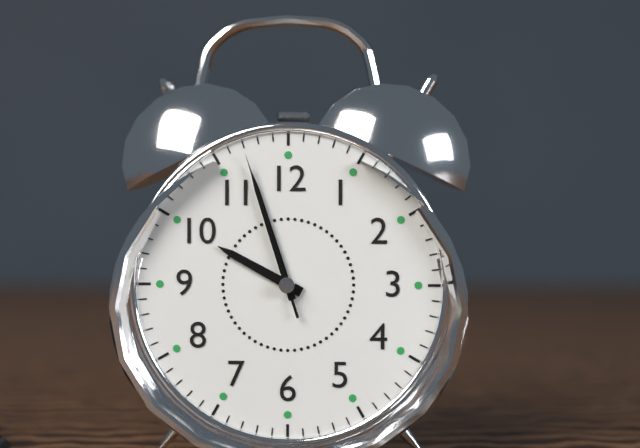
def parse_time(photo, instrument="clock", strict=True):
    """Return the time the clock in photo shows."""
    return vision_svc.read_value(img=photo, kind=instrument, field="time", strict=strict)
9:57:57
